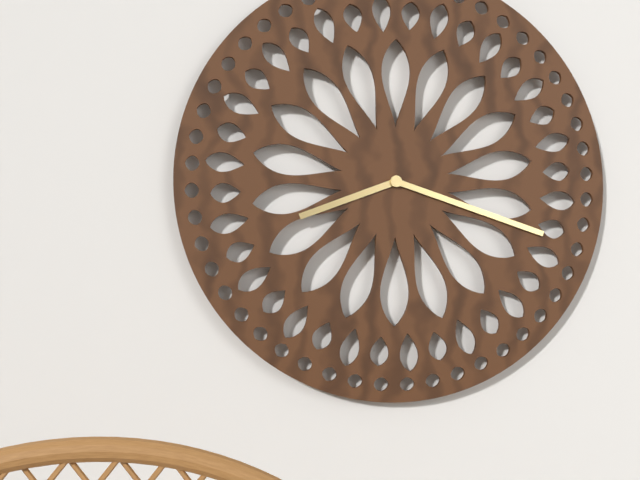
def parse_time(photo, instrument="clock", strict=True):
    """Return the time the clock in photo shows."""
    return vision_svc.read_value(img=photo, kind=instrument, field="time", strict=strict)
8:18
